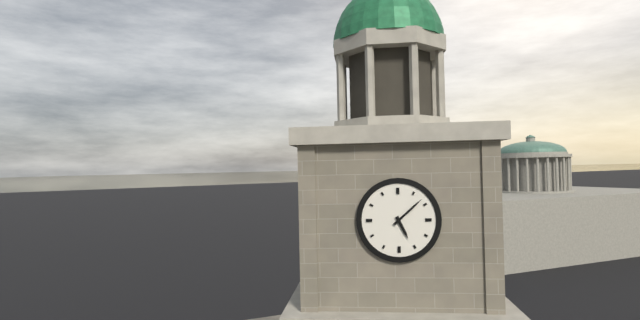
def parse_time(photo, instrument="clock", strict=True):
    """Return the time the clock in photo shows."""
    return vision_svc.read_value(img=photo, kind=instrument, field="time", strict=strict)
5:08
